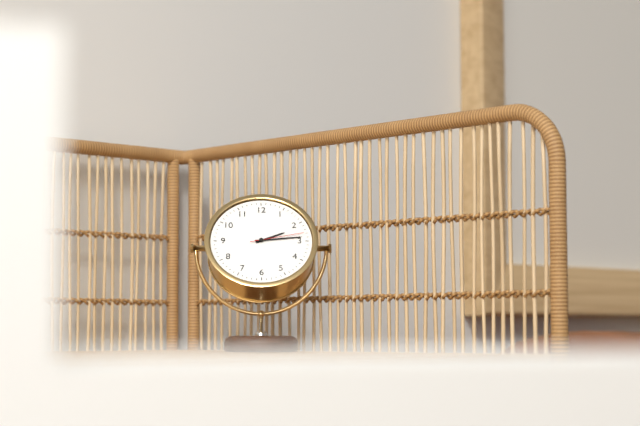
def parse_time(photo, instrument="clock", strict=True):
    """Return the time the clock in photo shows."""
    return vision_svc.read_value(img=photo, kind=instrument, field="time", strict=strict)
2:14:13
